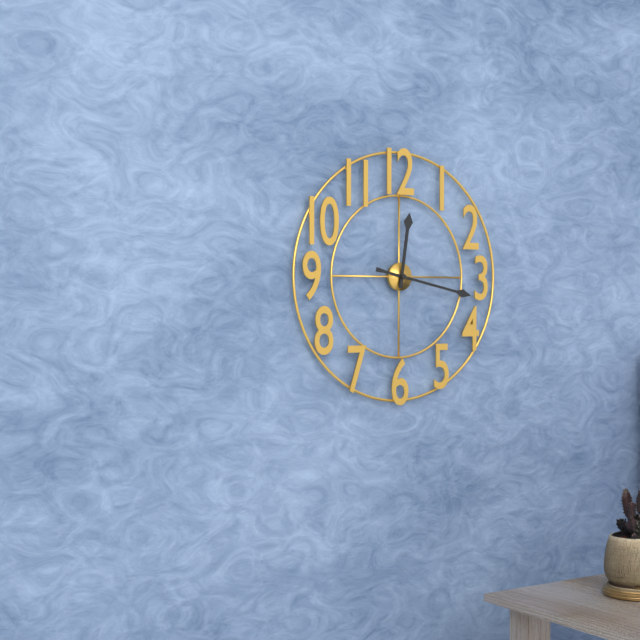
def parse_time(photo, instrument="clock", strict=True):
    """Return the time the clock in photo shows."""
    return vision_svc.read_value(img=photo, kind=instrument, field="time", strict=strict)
12:17
